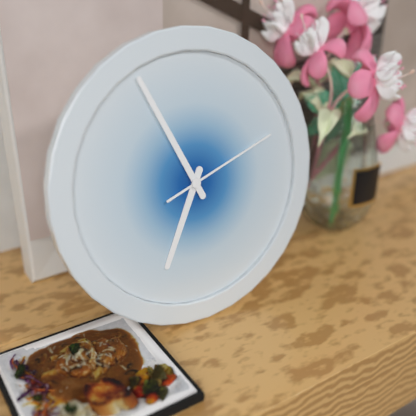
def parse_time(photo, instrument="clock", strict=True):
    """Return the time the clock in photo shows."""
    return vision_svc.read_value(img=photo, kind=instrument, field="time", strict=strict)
6:56:12
